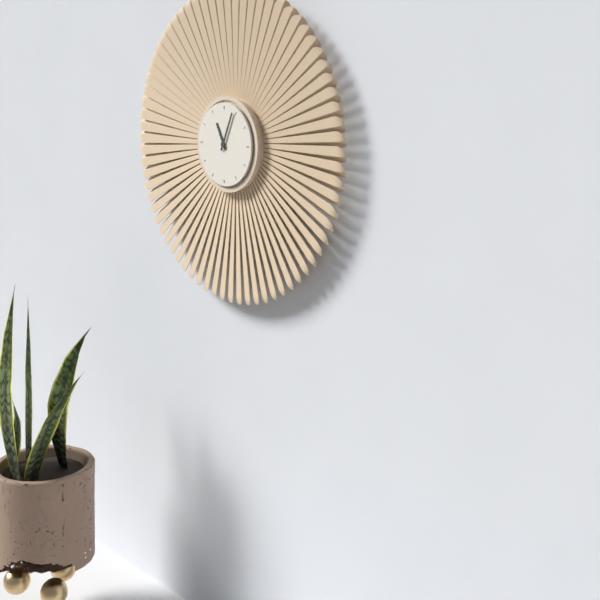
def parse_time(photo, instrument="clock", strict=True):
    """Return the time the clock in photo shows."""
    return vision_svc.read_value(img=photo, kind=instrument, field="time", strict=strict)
11:04
